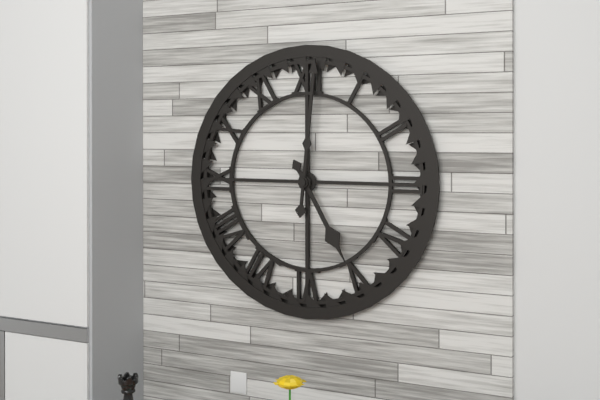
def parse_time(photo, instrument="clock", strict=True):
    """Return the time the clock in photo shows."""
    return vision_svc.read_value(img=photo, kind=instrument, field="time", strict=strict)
5:01
